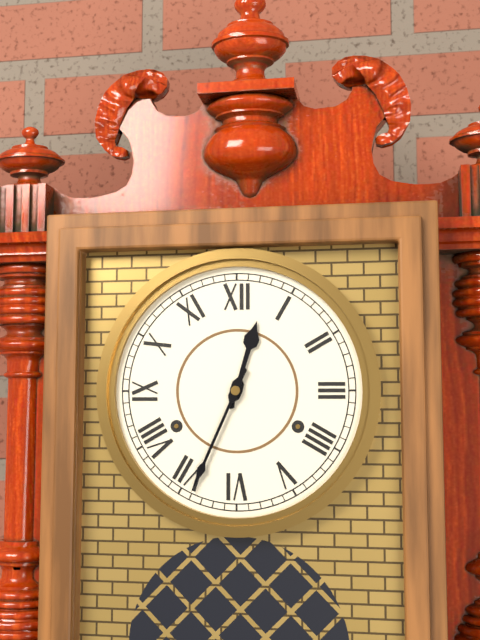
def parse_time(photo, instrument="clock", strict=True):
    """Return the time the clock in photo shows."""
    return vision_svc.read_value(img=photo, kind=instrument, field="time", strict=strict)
12:34
